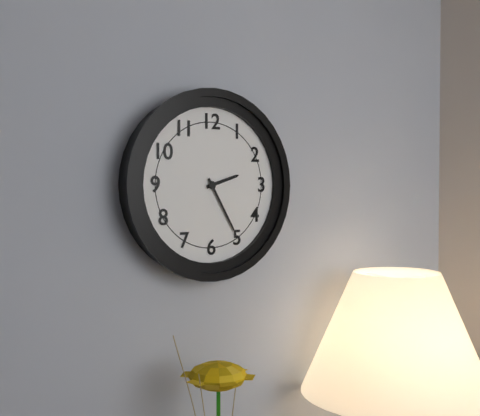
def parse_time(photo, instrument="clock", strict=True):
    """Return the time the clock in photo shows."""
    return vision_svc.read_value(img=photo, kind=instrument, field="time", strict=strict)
2:25
